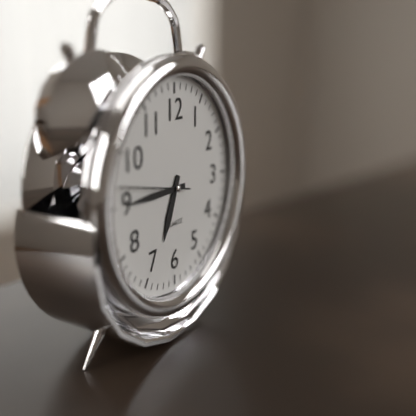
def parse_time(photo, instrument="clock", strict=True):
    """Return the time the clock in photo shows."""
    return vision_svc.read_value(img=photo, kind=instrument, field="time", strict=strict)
6:45:47
